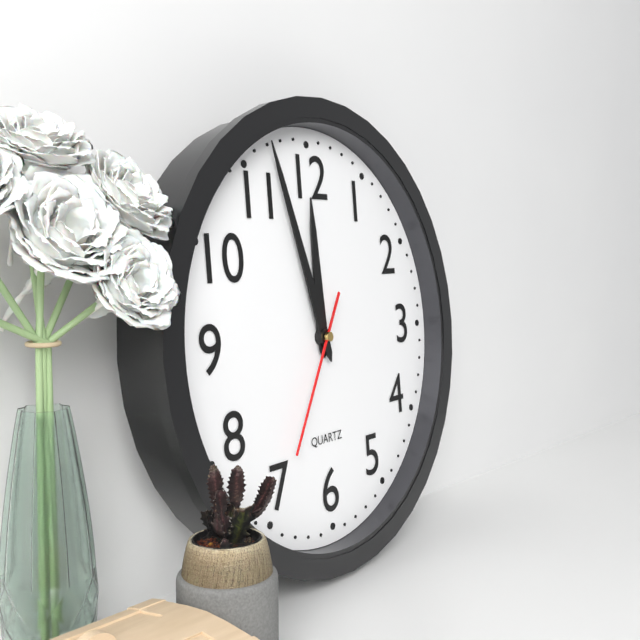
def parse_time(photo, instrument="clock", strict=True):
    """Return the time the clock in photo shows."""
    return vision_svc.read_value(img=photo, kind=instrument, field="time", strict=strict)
11:57:35
